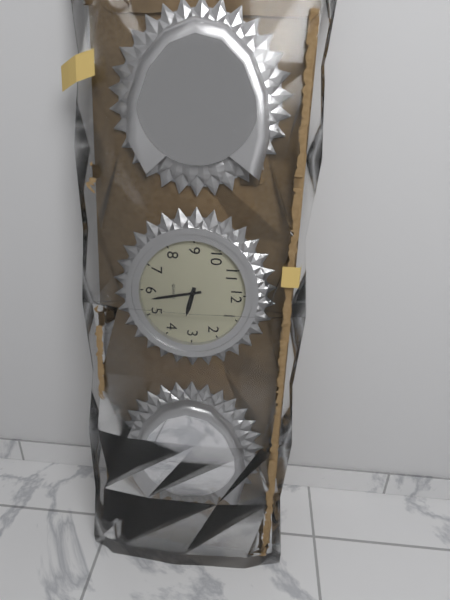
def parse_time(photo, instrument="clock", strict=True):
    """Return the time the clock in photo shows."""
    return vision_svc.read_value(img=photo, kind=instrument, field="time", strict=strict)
3:28
